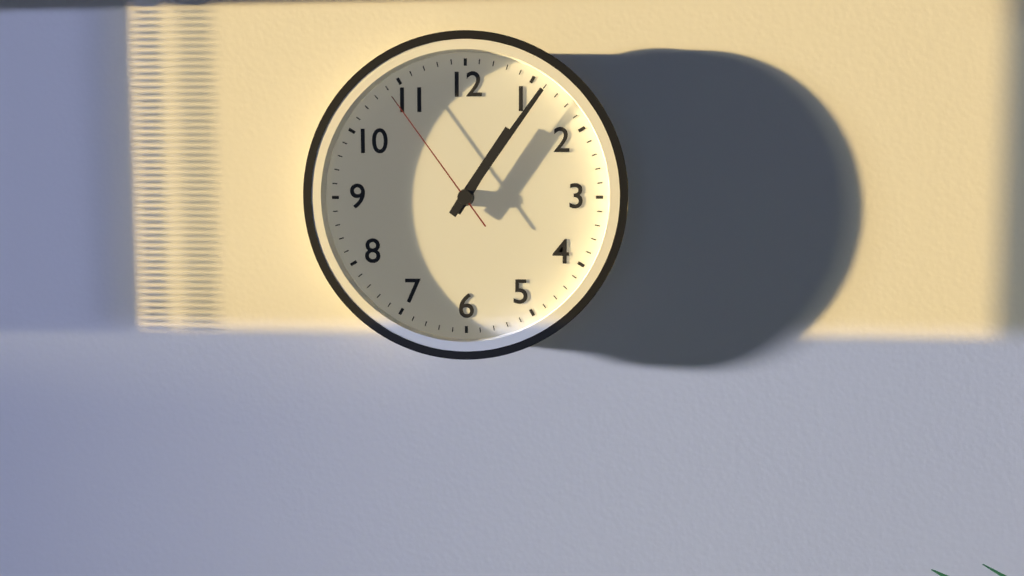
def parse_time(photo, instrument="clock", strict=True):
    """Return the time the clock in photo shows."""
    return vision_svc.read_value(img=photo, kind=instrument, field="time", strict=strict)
1:06:54
